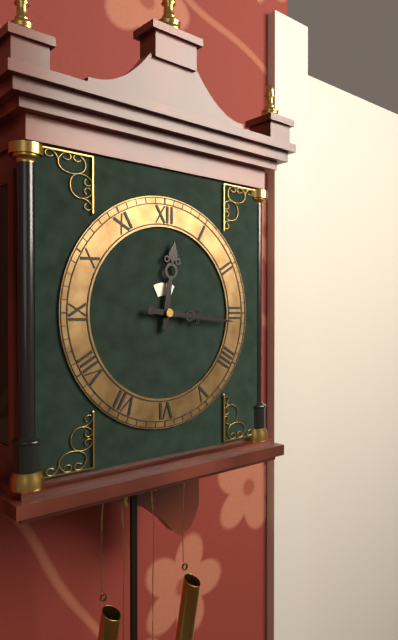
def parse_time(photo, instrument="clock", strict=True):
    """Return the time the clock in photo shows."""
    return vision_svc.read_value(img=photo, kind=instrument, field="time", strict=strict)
12:16
